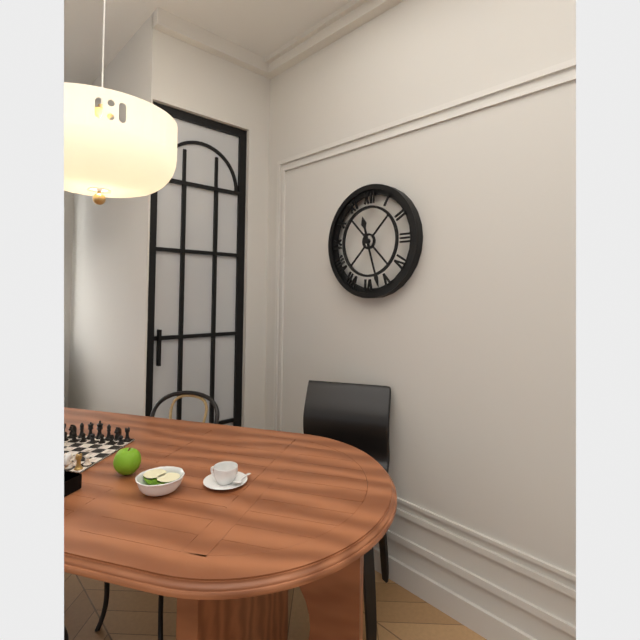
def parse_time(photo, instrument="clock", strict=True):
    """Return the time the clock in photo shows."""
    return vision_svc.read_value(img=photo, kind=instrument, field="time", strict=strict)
11:27
